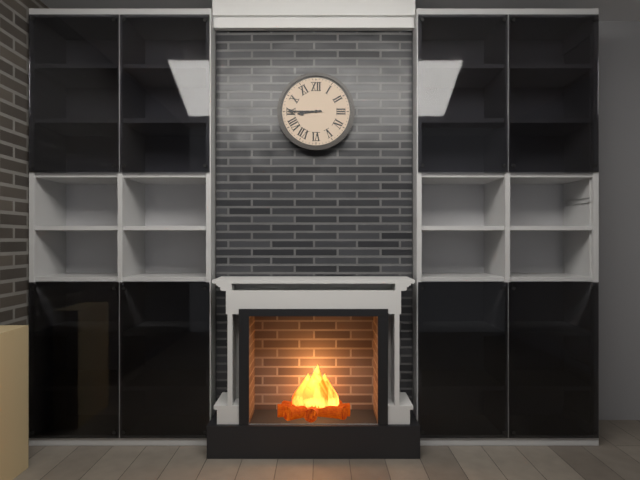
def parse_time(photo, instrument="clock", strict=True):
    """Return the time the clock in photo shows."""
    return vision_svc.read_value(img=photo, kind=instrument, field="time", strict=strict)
8:45
